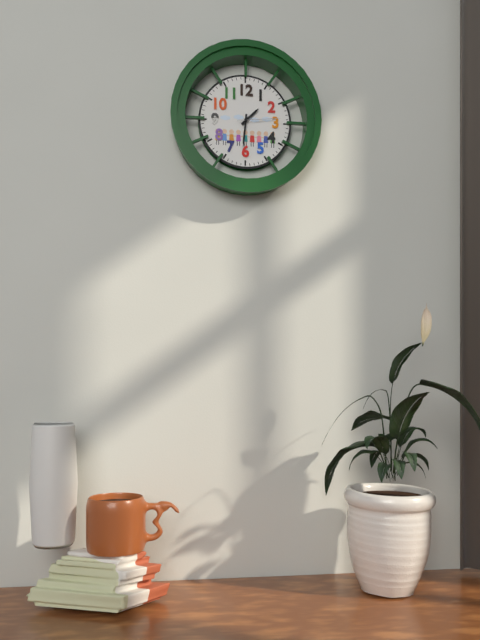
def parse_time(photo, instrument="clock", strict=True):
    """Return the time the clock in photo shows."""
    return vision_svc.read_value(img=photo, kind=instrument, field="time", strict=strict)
1:31
